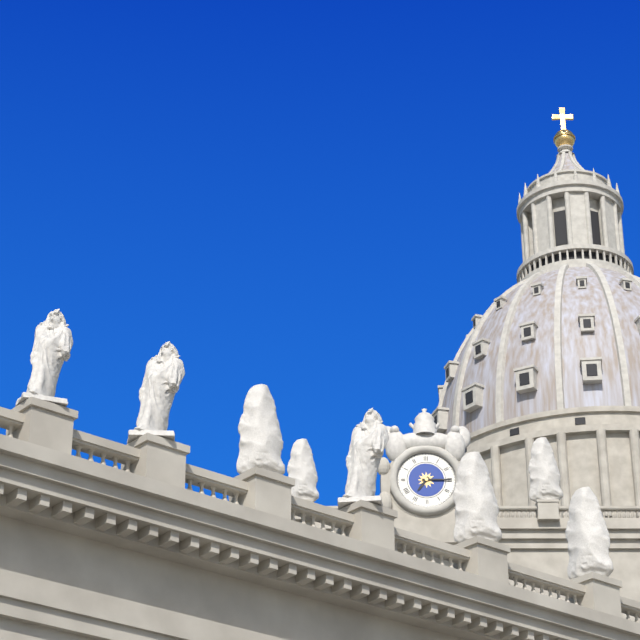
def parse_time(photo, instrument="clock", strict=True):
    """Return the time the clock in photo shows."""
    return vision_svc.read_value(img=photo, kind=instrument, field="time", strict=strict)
7:15
